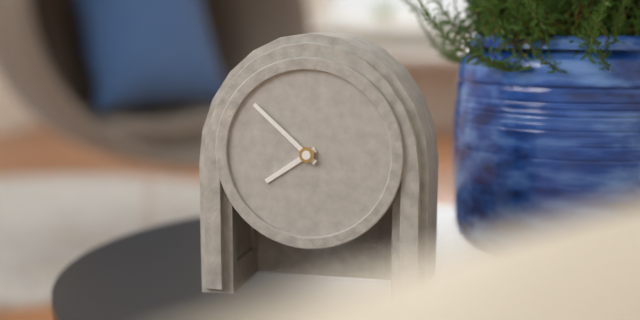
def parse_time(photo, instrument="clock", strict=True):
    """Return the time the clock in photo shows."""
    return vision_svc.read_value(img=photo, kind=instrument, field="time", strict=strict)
7:52
